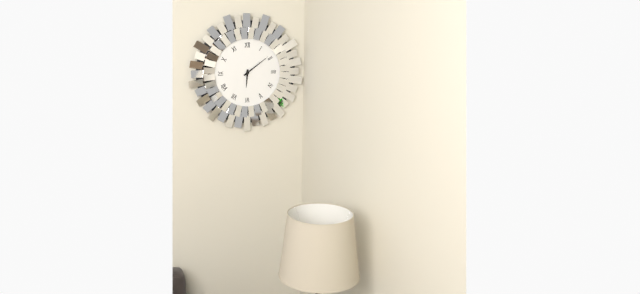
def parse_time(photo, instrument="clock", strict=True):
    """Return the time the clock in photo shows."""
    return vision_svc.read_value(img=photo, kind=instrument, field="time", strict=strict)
6:09
